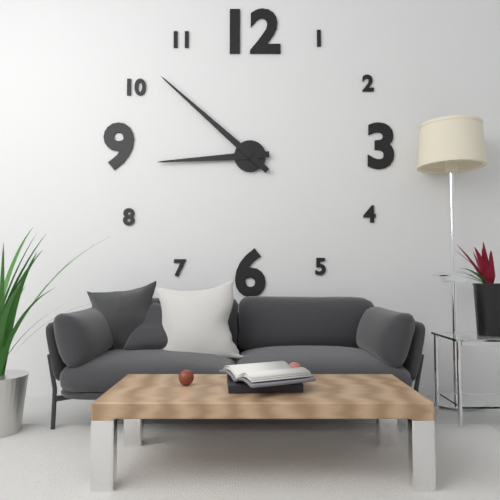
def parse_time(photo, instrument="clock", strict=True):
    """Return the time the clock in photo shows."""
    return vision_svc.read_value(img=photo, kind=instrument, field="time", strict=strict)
8:52
